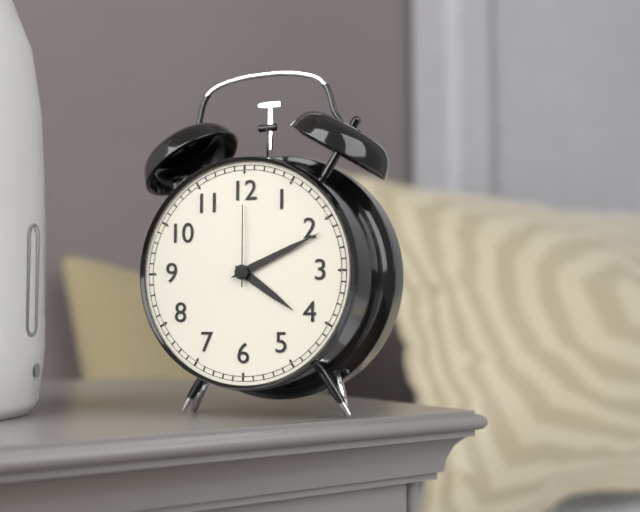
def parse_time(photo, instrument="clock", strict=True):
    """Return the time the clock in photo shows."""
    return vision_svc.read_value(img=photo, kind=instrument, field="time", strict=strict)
4:11:00
